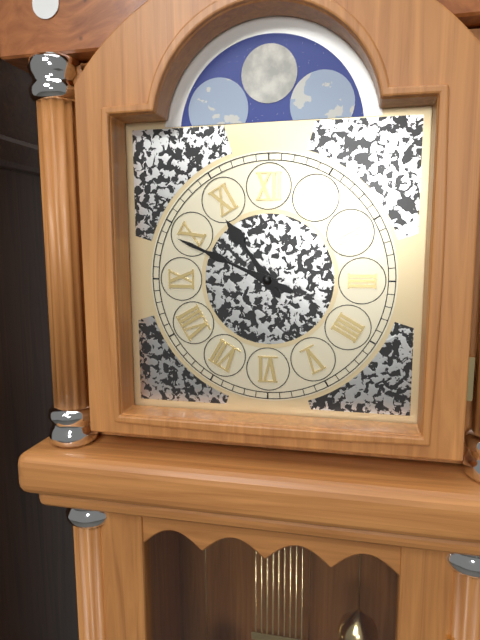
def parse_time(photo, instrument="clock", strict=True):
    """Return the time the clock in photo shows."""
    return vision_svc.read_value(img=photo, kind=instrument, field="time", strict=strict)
10:49
